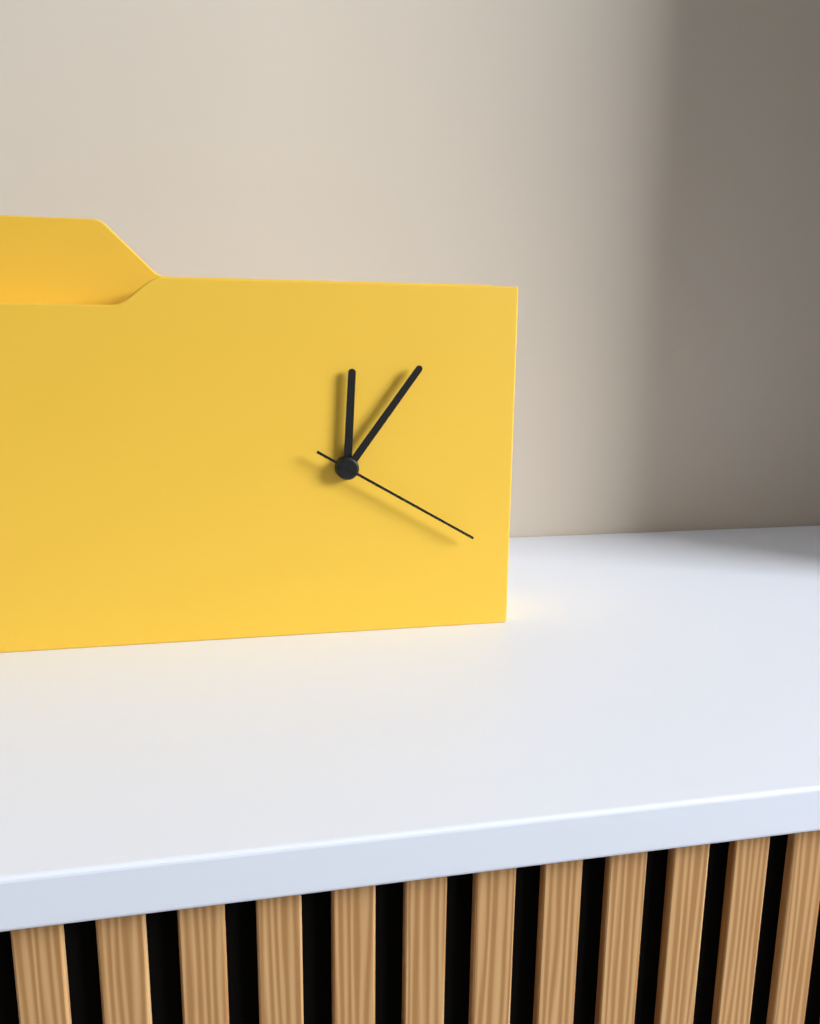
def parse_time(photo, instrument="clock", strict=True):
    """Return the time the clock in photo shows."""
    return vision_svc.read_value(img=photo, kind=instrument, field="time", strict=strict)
12:06:20
